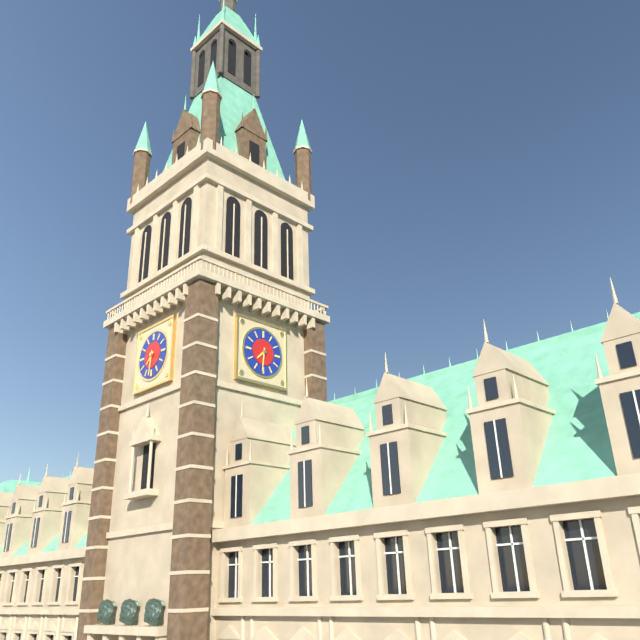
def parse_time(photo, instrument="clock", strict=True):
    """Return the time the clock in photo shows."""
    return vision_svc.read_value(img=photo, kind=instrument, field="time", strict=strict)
7:31
